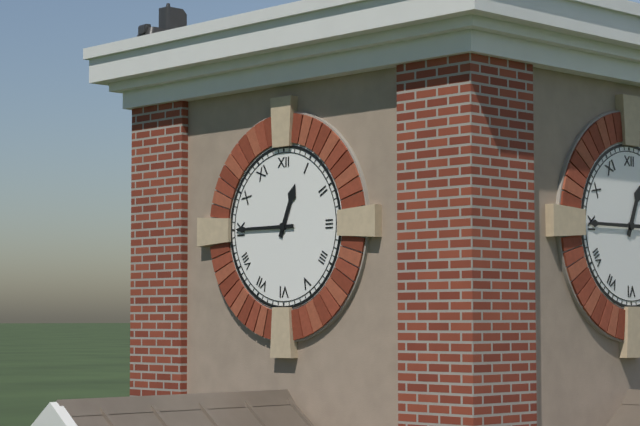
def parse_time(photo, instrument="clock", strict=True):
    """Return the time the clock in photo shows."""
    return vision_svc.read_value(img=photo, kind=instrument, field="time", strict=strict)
12:45
